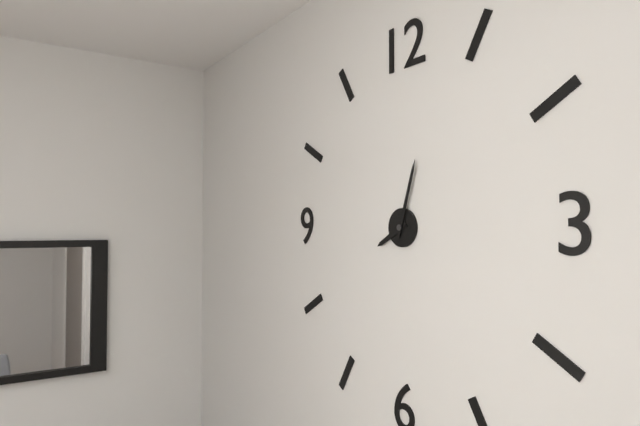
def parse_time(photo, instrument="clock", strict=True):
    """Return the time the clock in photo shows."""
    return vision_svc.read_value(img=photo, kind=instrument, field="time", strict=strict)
8:03
